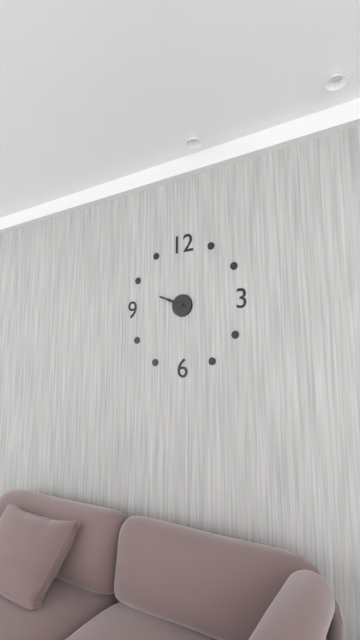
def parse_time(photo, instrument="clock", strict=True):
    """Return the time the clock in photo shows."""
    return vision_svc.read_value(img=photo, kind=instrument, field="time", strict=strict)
9:49
